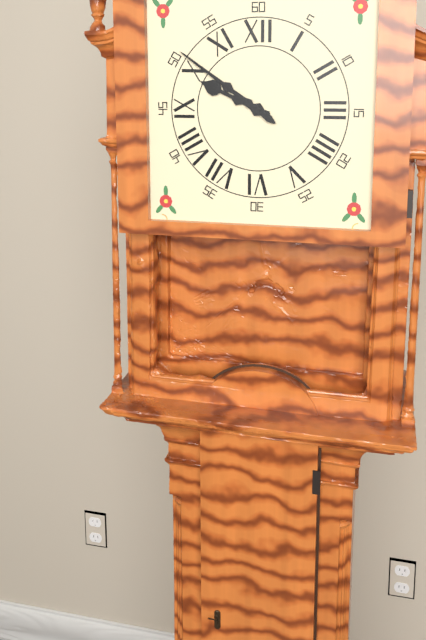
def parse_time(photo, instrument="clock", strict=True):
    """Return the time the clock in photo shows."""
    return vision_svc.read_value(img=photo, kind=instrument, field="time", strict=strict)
9:51
